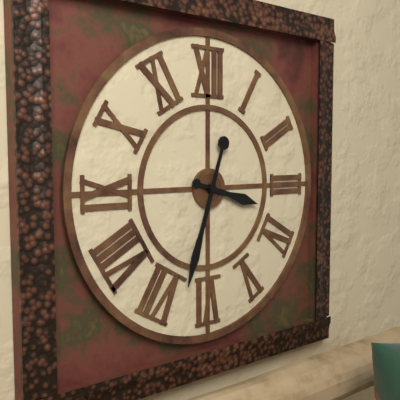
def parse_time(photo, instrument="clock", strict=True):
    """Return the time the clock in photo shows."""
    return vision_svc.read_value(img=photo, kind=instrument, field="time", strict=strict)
3:33
